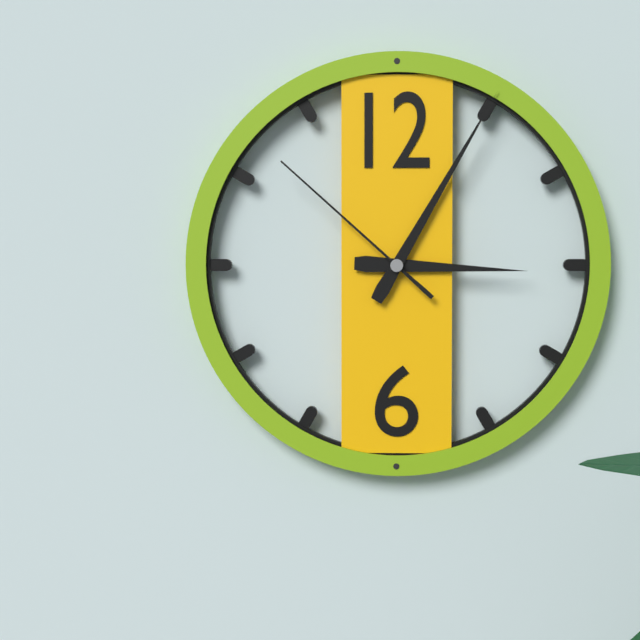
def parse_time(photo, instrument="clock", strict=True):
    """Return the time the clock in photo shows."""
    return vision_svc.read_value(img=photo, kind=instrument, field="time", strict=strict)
3:05:52
